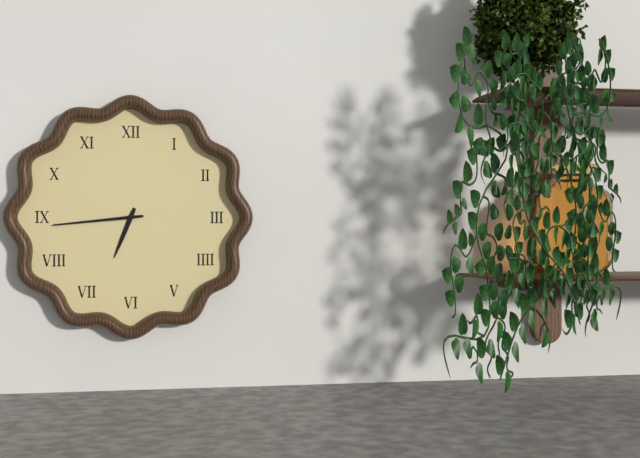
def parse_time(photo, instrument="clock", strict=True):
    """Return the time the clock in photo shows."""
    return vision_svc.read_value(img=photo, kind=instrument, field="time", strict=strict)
6:44
